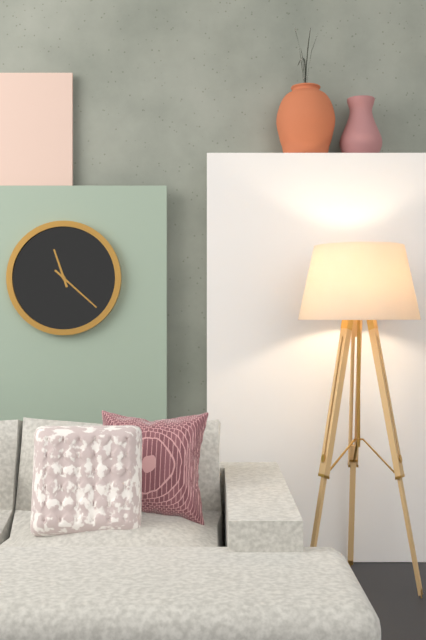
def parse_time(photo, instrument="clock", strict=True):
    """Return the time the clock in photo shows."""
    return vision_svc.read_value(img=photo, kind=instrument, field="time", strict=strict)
11:22
